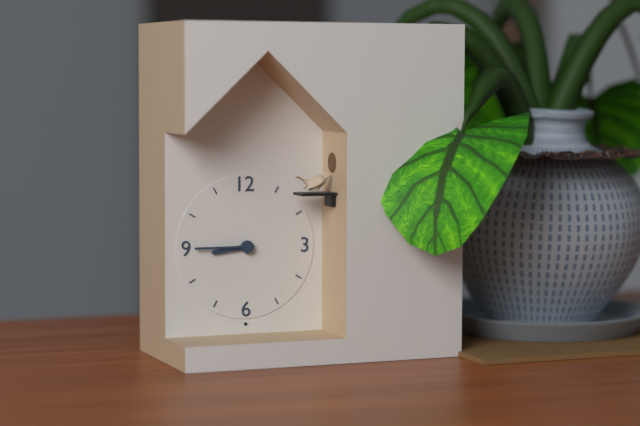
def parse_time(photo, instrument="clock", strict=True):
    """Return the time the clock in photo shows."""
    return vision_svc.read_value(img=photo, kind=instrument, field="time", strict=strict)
8:45
